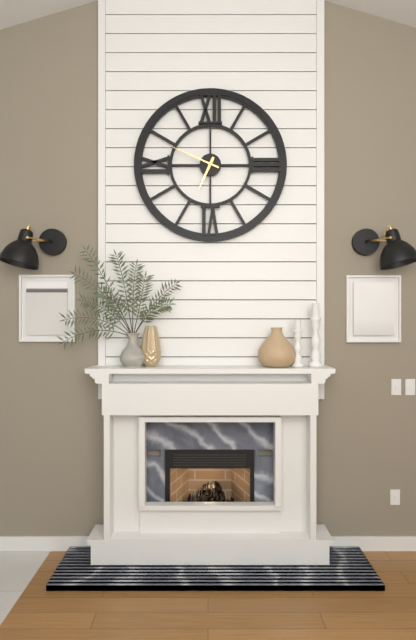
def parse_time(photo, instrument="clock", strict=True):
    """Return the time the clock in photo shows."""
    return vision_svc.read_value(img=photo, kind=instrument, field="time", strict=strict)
6:49
